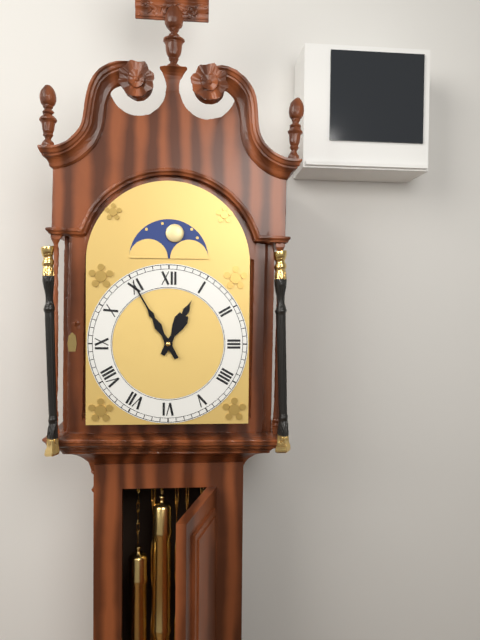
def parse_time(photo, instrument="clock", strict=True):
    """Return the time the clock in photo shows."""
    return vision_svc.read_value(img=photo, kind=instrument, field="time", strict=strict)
12:55
